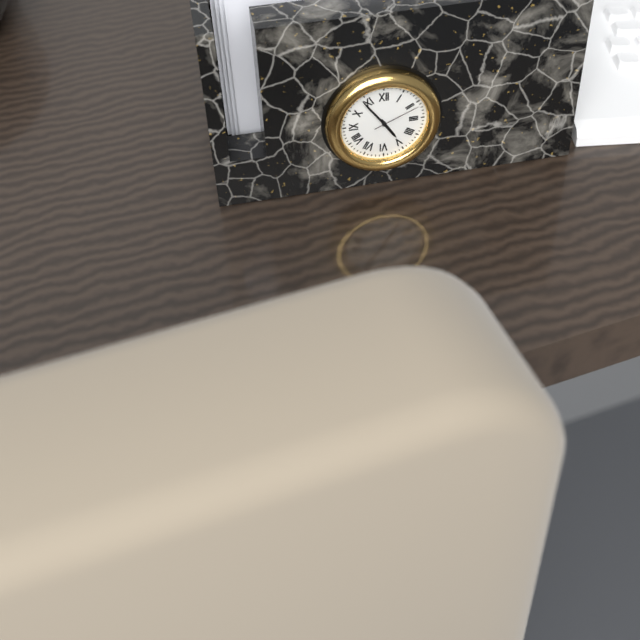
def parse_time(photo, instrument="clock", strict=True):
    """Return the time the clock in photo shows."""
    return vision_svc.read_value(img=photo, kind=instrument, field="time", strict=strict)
4:54:11
